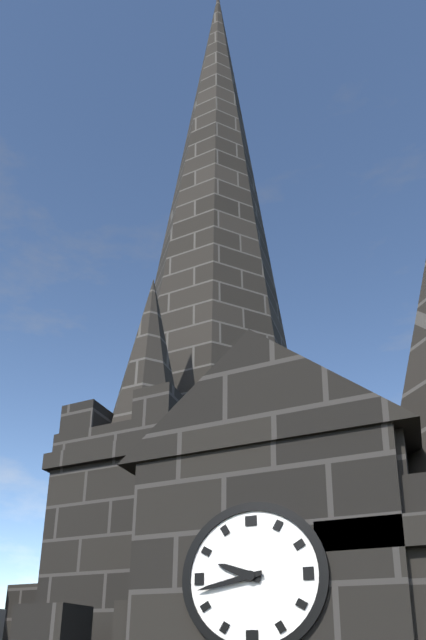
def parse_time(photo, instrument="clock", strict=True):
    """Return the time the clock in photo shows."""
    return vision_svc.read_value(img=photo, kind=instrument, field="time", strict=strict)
9:43
